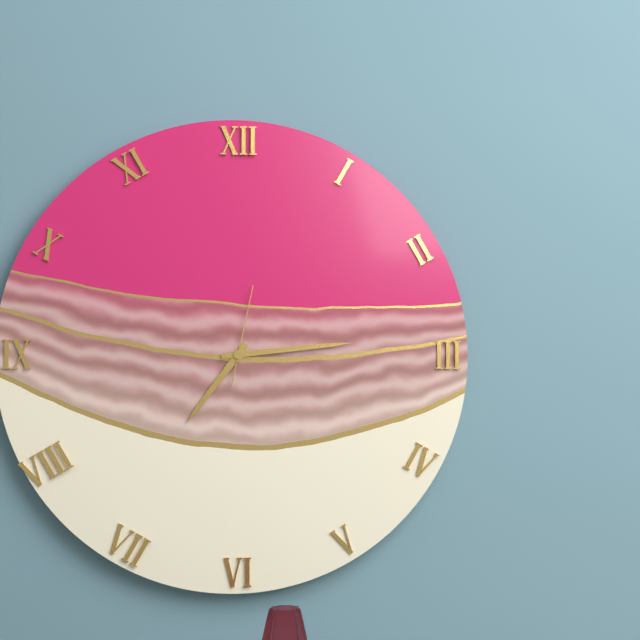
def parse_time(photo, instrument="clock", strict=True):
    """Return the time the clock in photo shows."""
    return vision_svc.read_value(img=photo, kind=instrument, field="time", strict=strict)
7:14:02
